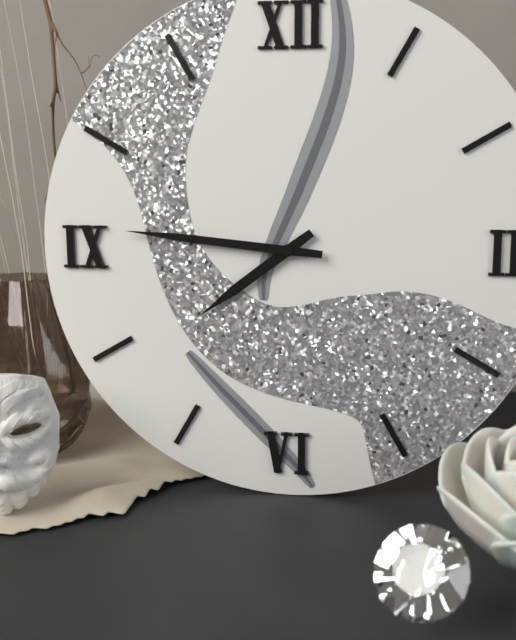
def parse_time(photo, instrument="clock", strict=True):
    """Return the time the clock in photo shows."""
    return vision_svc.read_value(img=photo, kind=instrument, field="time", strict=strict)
7:46
